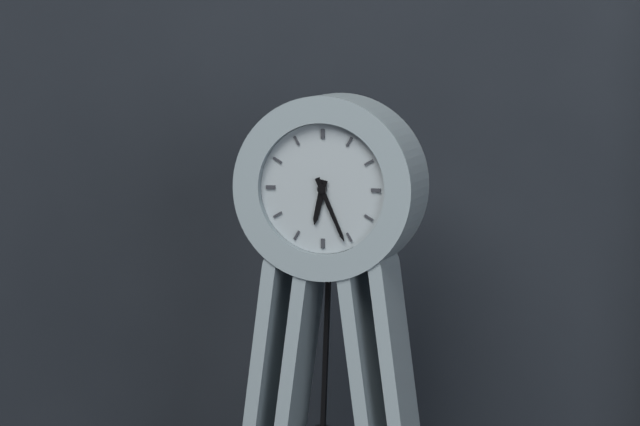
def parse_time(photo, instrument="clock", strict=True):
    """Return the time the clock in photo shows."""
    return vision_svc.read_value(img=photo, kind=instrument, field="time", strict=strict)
6:26
